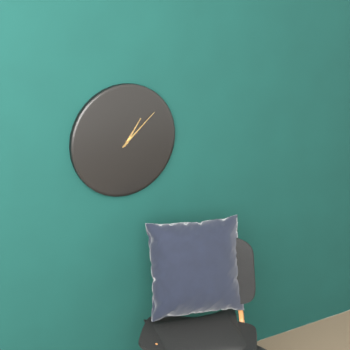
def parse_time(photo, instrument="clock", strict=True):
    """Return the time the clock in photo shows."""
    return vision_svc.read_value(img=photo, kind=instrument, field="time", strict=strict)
1:08
